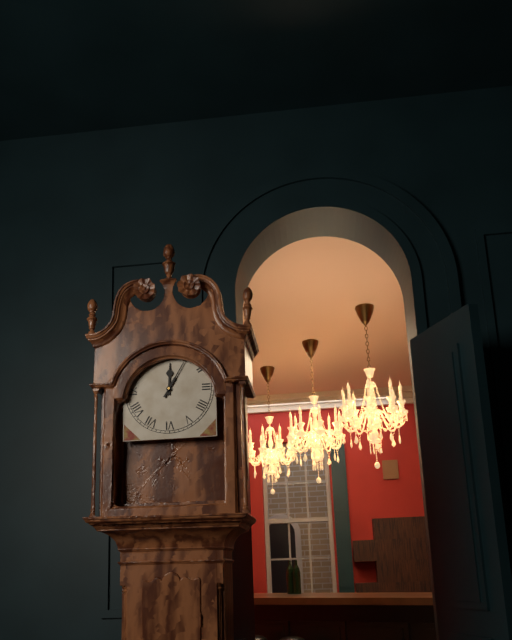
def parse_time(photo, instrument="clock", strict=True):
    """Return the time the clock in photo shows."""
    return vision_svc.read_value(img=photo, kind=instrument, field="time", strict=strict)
12:05
